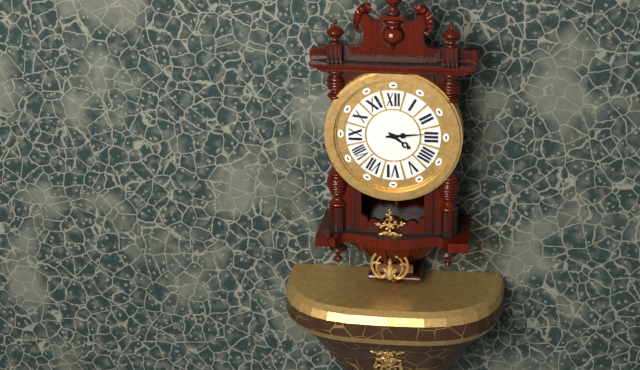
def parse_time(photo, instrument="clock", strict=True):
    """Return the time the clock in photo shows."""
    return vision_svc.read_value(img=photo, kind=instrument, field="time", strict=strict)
4:14
